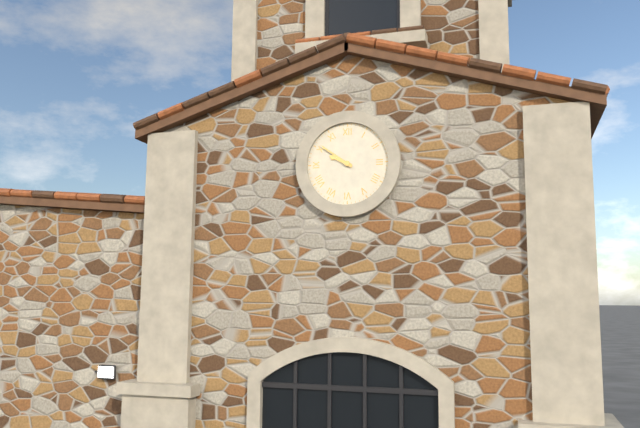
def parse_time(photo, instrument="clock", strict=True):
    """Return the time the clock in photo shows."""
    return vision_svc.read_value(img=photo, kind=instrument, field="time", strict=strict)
9:51
